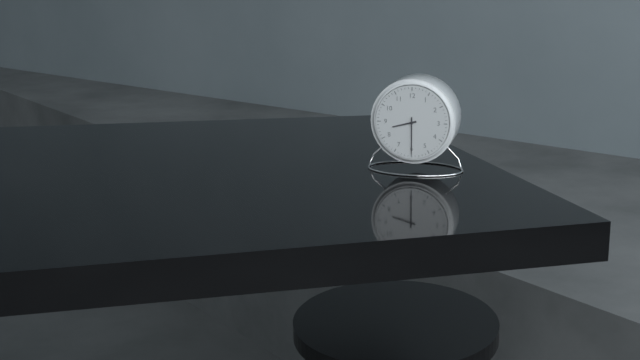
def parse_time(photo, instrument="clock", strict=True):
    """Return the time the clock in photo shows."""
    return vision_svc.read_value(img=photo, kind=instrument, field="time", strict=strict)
8:30
